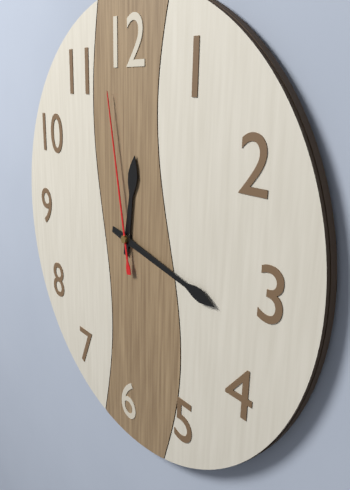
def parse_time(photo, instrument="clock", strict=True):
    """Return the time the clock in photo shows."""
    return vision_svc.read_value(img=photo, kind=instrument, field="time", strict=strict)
12:17:58
